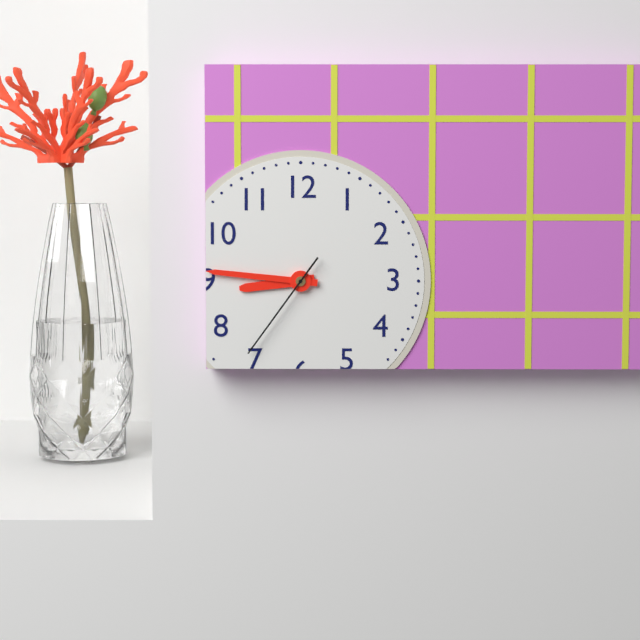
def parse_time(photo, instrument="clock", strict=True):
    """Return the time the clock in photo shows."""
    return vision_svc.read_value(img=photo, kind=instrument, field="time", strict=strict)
8:46:36
